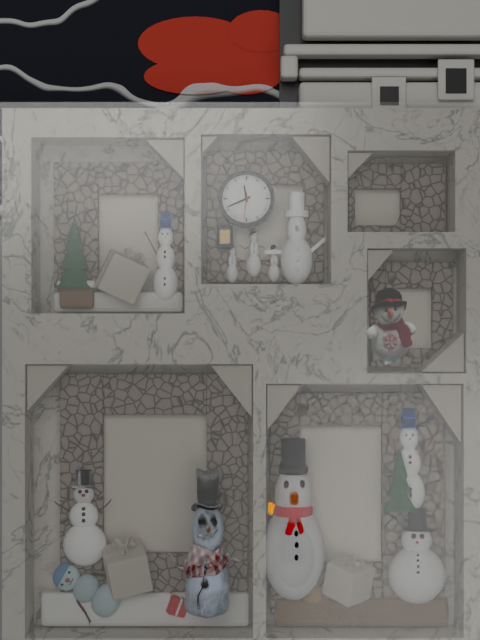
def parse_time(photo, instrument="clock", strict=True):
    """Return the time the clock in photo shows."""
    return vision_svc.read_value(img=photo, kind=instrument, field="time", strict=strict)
11:41
